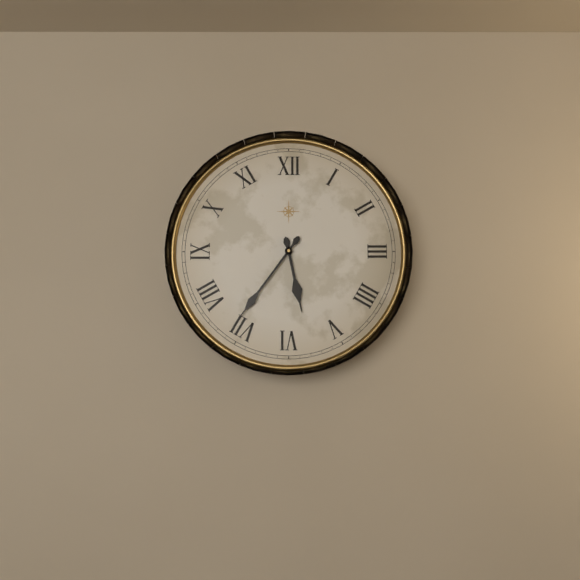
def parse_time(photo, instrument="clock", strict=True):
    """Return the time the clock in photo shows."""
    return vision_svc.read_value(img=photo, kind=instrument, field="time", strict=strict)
5:36
